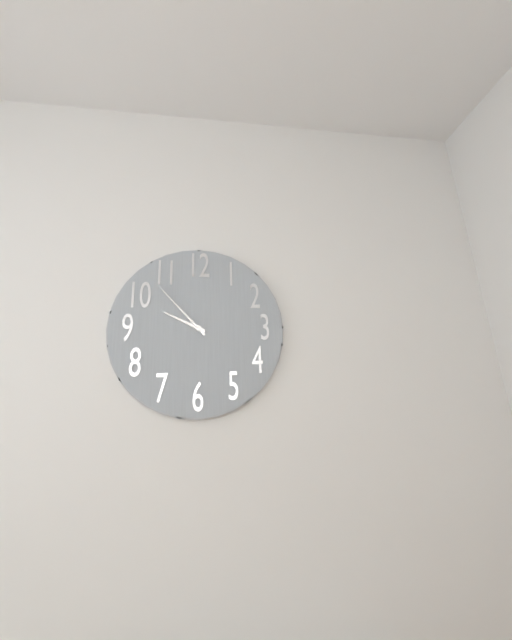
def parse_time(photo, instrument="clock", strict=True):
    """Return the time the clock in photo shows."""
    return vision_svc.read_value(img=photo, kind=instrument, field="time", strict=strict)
9:53
